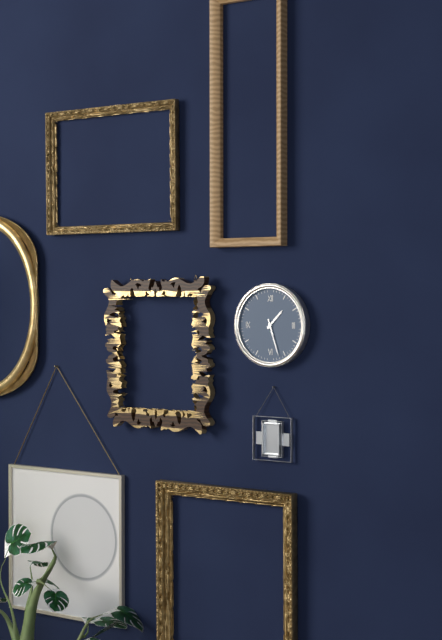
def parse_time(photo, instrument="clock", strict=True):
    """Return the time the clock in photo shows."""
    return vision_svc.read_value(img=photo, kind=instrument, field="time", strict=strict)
1:27
